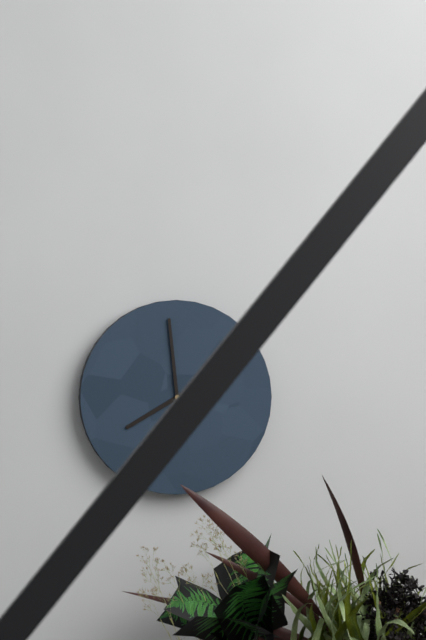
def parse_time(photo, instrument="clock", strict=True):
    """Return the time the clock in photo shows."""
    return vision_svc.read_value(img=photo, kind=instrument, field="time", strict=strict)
7:59
